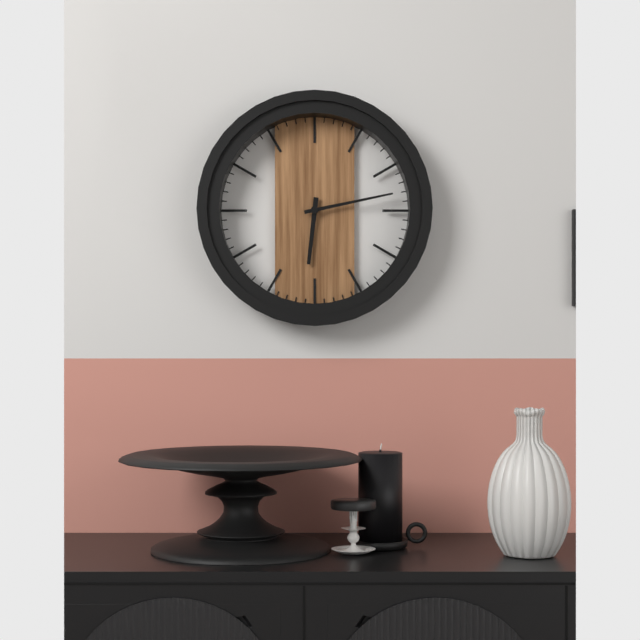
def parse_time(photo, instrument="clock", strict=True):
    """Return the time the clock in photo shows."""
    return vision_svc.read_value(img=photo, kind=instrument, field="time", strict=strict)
6:13
